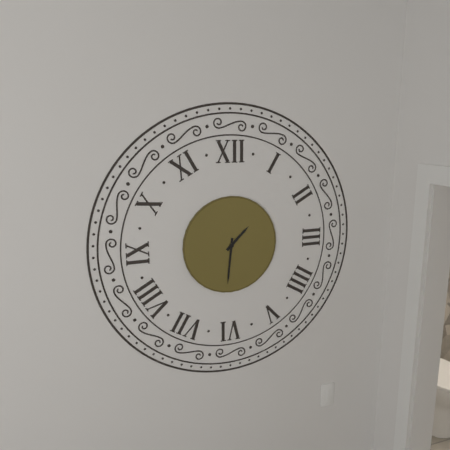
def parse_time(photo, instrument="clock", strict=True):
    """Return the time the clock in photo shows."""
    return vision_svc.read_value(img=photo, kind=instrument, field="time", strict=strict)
1:31
